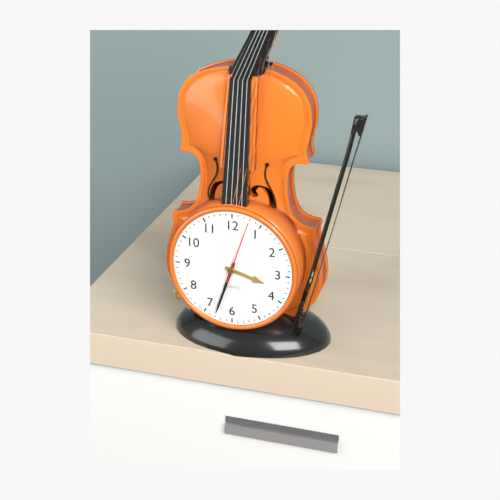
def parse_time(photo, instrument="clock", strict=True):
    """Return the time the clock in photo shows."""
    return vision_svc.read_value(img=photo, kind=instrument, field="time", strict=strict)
3:33:03
